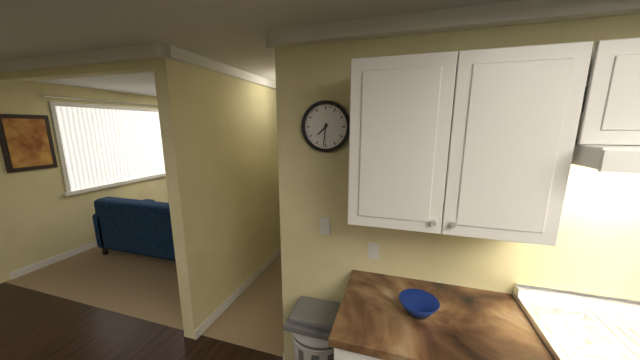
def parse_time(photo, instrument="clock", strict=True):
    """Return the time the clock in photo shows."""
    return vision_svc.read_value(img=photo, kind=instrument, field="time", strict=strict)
7:31
